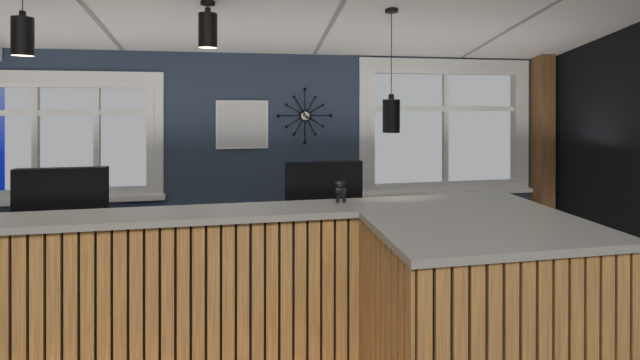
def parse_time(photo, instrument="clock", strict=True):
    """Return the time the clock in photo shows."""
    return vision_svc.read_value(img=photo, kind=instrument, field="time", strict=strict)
3:55
